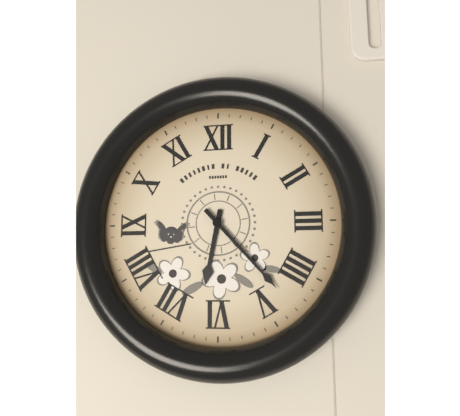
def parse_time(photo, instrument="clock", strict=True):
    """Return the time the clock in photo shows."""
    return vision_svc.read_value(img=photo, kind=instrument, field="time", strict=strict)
6:23
